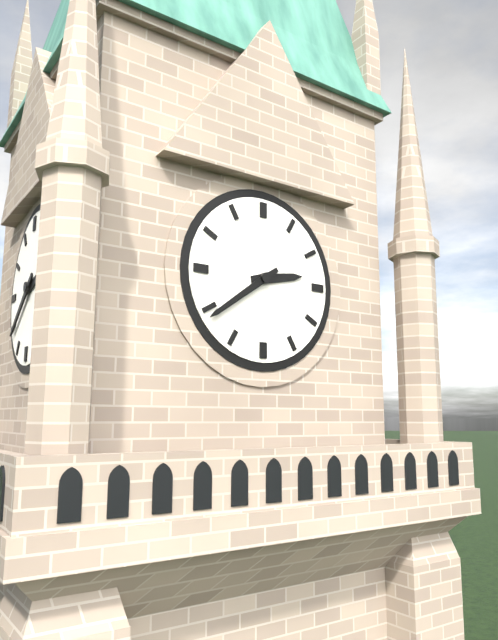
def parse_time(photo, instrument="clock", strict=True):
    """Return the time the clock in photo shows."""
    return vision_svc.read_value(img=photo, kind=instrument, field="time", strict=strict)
2:39
